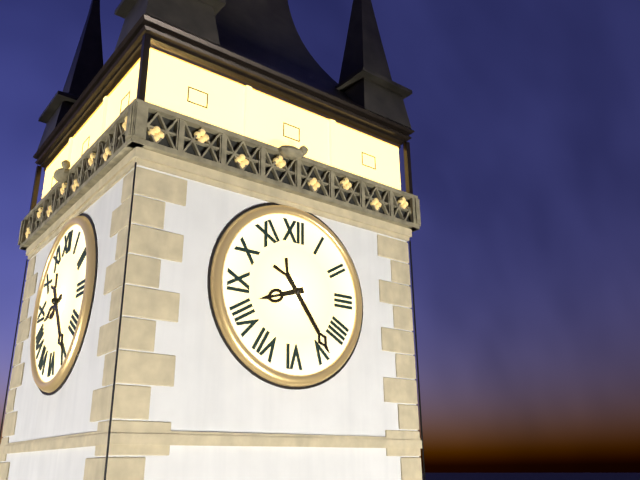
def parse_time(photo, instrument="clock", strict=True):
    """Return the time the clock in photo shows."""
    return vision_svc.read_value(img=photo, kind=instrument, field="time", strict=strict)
8:24
